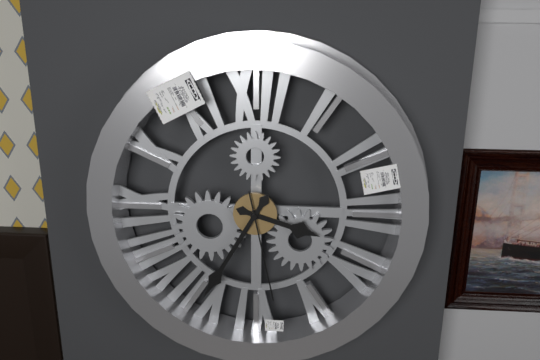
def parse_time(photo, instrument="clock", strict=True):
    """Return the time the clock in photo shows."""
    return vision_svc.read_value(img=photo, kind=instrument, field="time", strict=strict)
3:35:28
